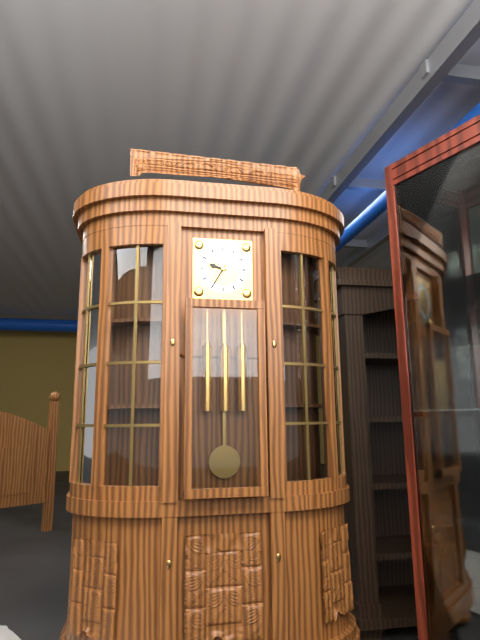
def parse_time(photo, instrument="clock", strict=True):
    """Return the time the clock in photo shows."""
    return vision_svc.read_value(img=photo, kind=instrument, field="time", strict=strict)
9:35
